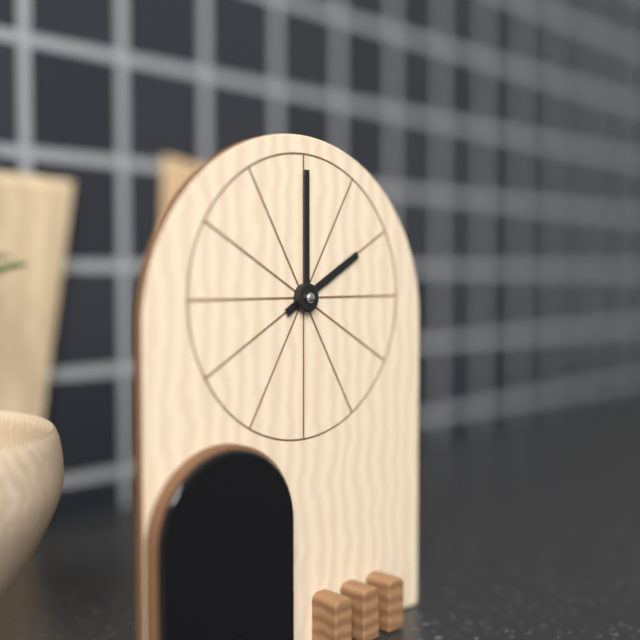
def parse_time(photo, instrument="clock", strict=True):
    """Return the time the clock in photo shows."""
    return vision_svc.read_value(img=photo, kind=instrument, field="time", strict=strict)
2:00
